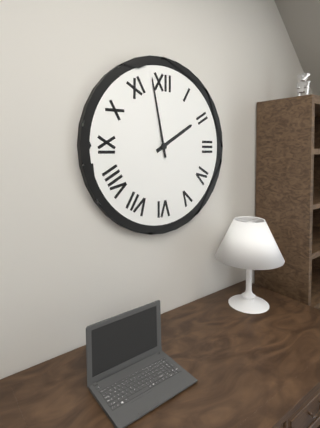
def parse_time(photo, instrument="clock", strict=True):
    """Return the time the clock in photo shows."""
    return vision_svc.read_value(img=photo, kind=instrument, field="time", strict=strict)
1:58
